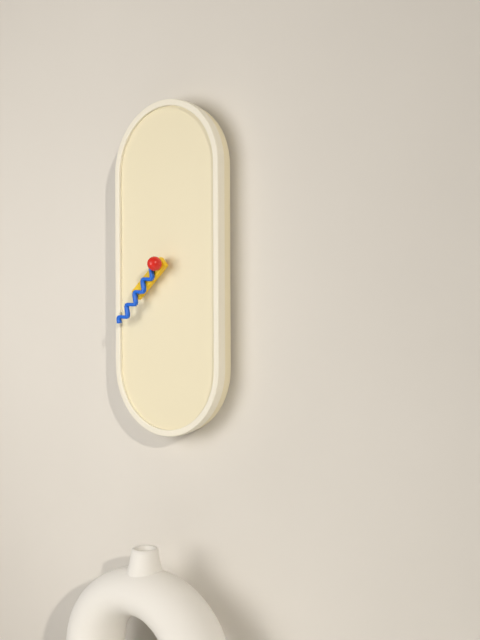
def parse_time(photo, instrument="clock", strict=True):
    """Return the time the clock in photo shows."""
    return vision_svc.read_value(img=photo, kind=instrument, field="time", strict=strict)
7:37
